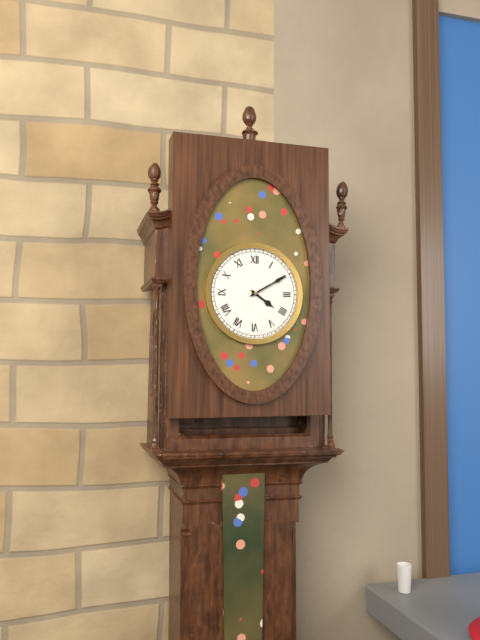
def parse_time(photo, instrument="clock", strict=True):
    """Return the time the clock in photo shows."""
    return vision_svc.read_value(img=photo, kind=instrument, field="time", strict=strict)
4:10
